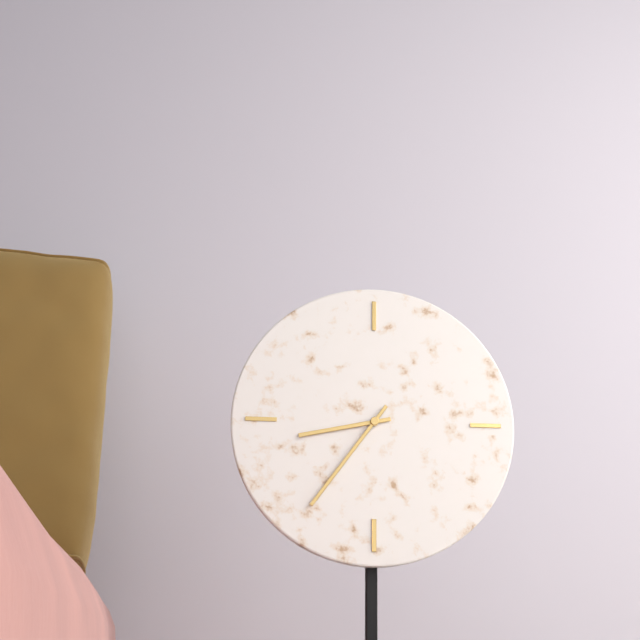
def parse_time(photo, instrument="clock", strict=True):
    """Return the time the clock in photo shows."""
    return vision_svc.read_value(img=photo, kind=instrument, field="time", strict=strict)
8:36
